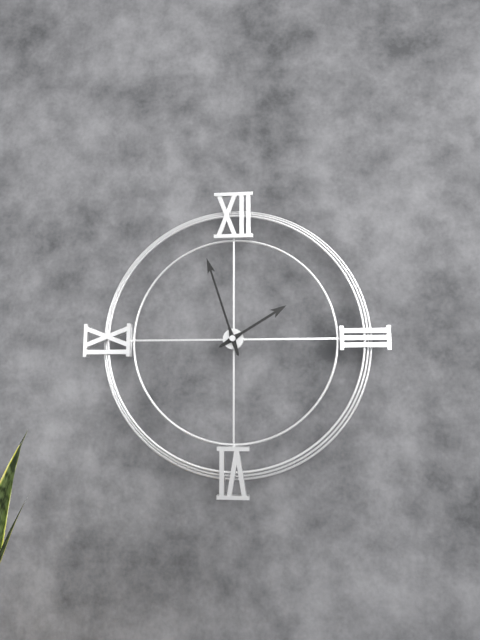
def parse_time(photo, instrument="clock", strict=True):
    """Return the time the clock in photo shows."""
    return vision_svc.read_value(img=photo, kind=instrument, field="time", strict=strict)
1:57
